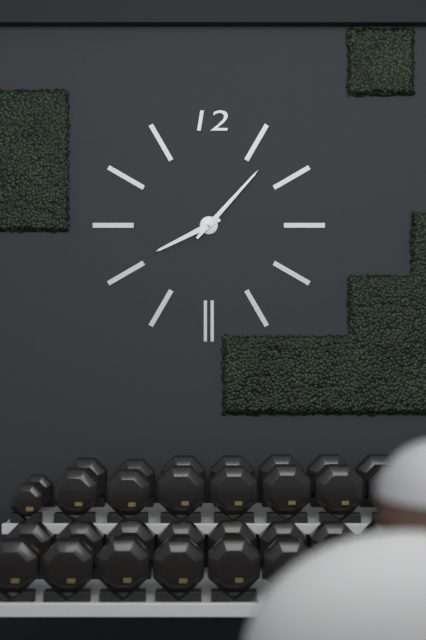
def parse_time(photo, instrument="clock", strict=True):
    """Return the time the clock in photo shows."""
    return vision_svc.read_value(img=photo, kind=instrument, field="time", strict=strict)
8:07
